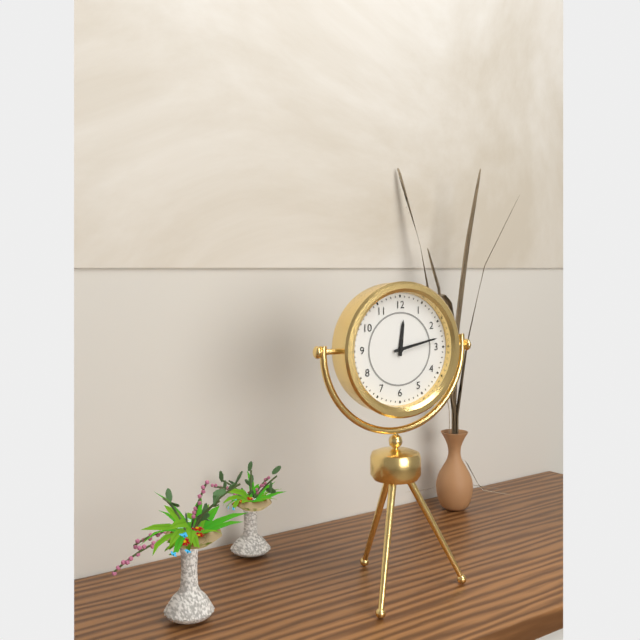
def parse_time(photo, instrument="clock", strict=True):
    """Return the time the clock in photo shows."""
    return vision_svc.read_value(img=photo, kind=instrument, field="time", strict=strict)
12:13
